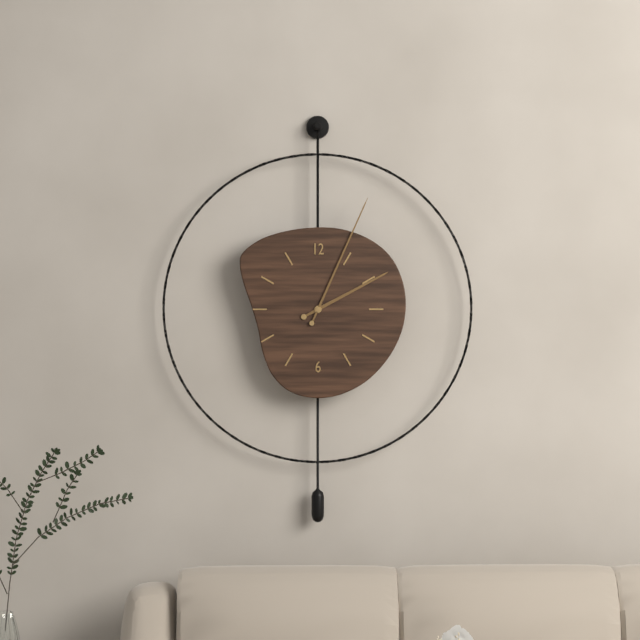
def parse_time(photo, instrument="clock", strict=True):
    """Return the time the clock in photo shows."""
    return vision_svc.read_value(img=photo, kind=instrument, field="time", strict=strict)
2:04
